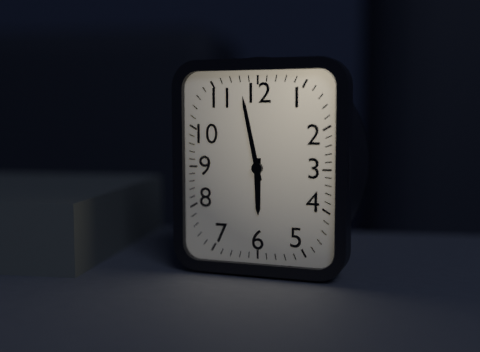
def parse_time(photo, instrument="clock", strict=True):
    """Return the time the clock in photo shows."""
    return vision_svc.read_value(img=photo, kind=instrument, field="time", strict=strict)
5:58
